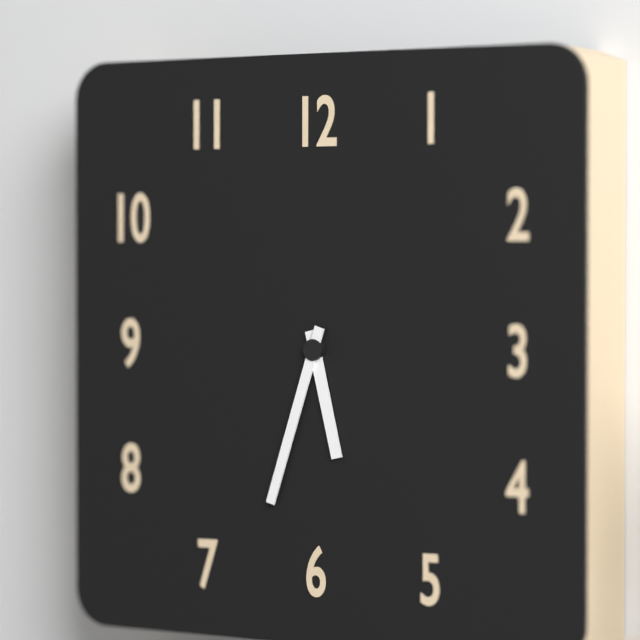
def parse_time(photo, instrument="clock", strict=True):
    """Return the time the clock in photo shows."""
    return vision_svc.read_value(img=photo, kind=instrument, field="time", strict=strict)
5:33
